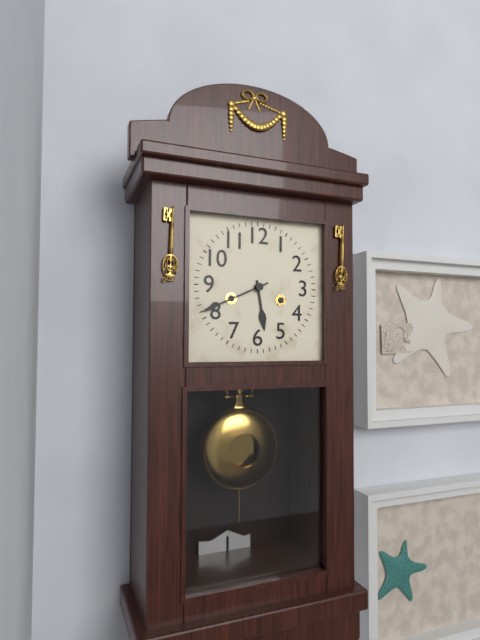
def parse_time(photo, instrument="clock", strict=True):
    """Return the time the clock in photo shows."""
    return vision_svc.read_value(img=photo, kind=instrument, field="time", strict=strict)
5:41
